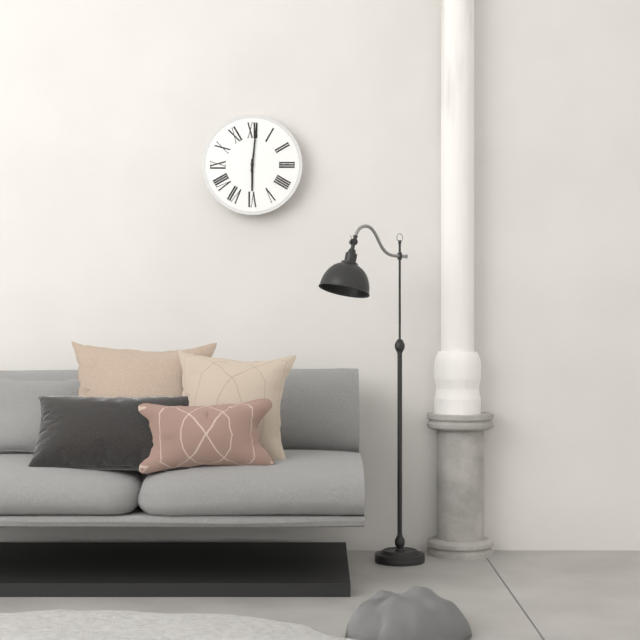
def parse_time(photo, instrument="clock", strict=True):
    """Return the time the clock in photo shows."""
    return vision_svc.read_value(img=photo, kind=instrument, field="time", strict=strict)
6:01
